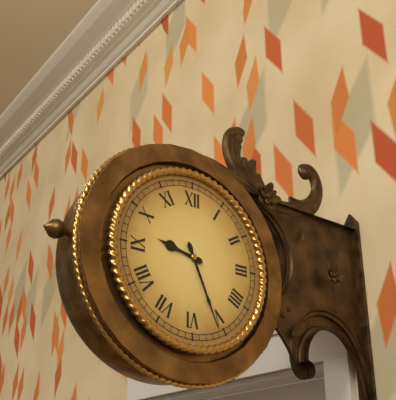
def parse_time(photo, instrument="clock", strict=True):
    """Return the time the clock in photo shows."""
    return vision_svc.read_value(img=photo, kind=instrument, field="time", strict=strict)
9:26
